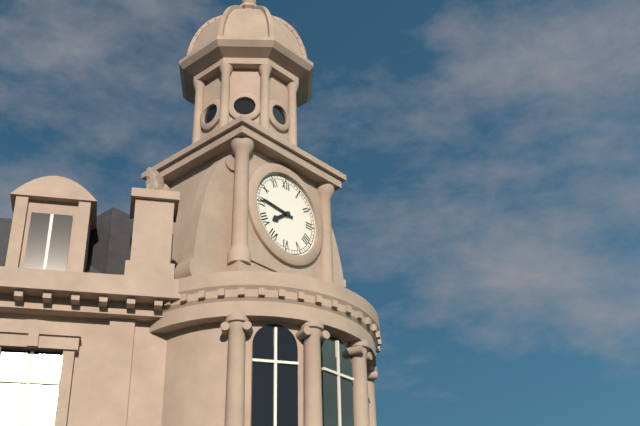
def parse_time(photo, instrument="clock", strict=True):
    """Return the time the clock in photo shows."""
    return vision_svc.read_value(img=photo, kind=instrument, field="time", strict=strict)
7:46
